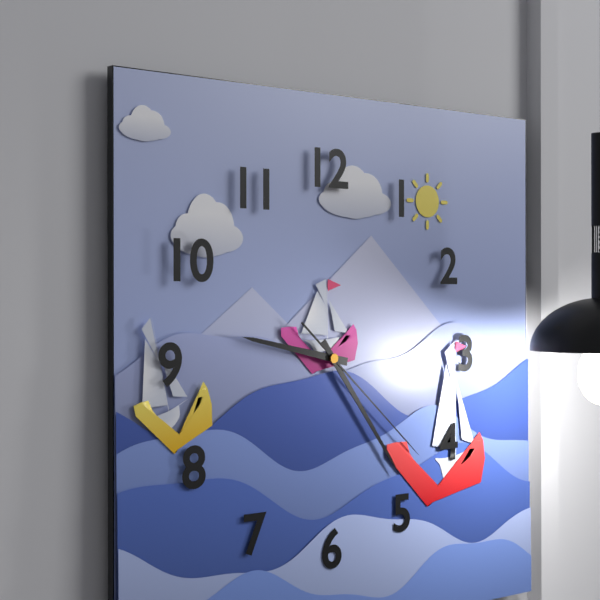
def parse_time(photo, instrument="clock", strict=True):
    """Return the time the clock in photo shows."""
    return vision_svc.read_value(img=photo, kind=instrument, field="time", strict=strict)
9:24:22
